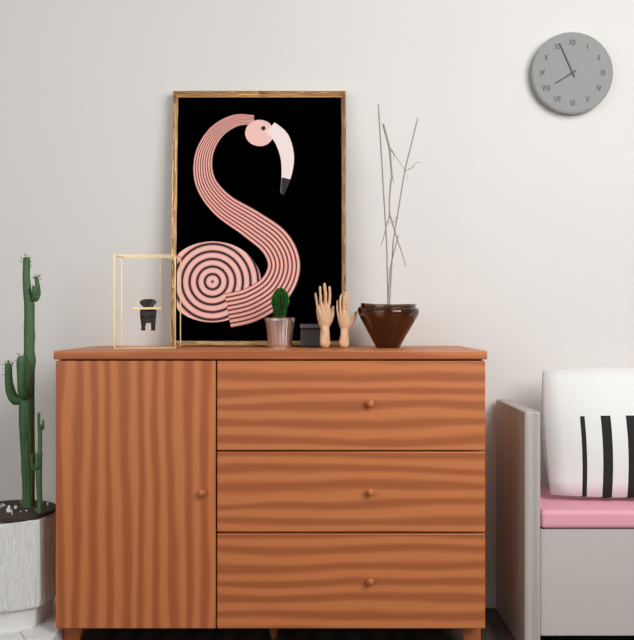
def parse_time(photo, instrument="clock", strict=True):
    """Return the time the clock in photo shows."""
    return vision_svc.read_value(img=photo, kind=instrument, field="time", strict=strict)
7:56
